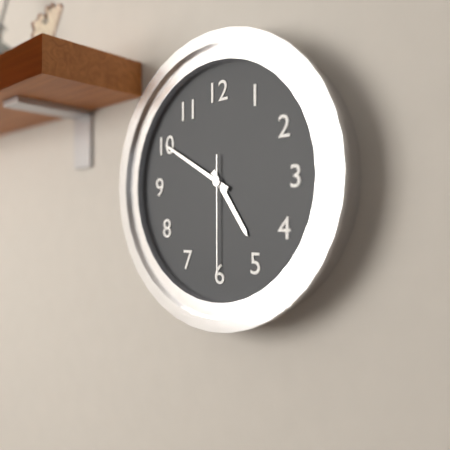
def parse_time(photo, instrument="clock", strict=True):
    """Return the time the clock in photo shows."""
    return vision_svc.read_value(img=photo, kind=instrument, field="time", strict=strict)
4:50:30
